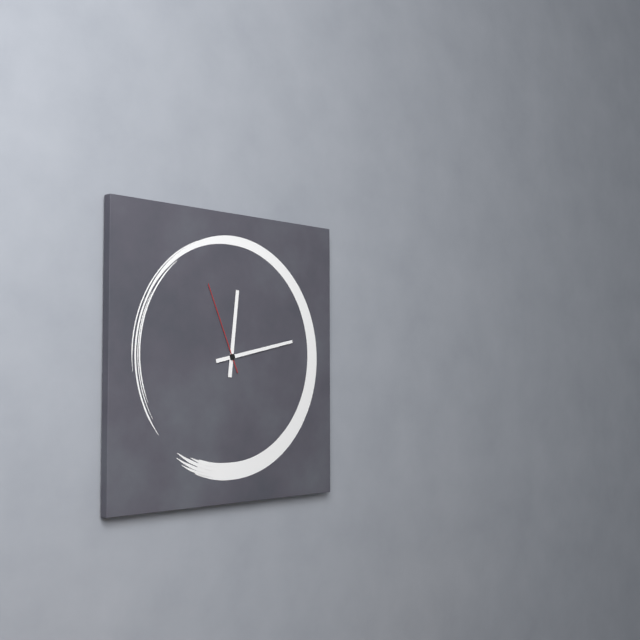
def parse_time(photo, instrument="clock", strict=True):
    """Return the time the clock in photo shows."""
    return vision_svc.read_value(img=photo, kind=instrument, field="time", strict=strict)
12:13:56
